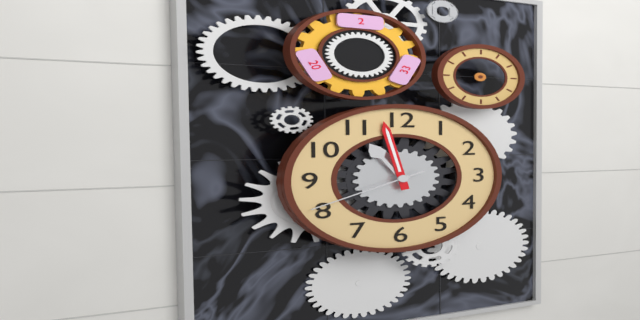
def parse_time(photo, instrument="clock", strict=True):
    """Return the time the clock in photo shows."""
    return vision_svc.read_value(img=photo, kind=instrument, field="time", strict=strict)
10:58:41
